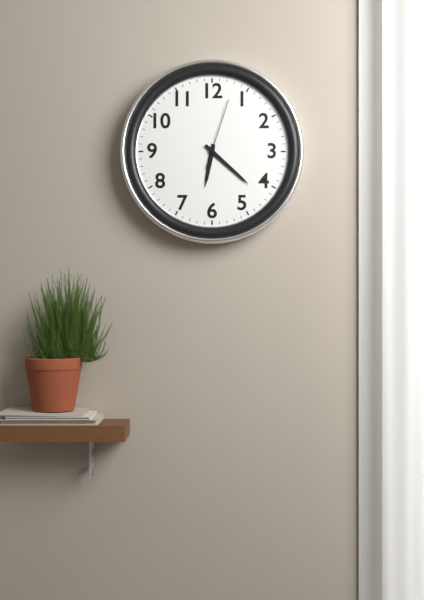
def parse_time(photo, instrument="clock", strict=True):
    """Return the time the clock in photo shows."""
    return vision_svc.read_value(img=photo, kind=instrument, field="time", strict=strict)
6:22:03
